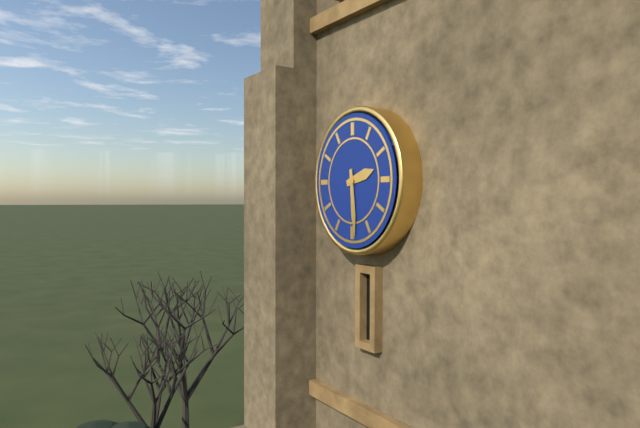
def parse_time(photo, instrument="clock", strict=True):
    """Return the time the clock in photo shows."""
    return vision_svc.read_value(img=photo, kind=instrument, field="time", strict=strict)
2:29
